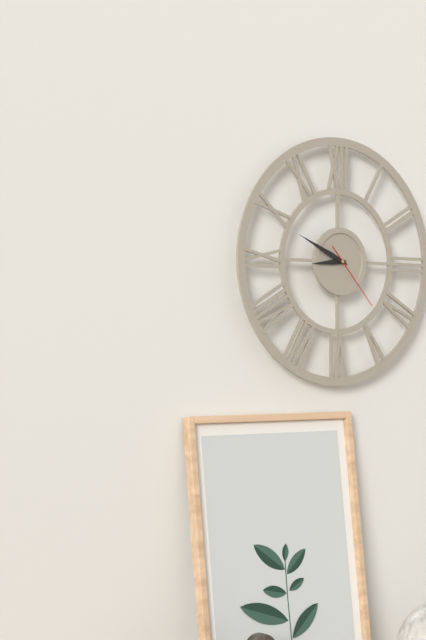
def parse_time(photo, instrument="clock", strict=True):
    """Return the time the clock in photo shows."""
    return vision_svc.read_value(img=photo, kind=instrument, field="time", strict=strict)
8:49:23
